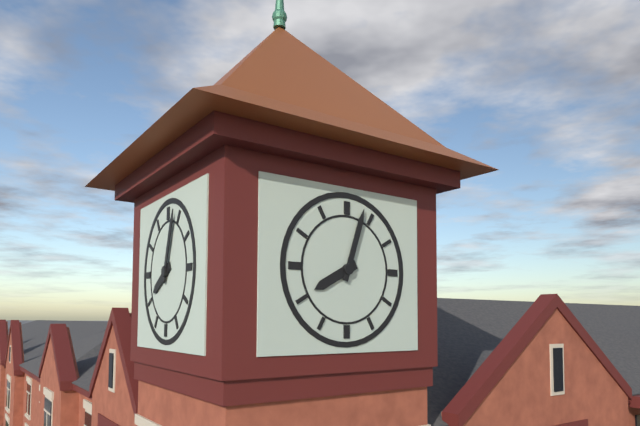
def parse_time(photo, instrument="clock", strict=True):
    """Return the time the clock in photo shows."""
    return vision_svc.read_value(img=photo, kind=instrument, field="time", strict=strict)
8:03
